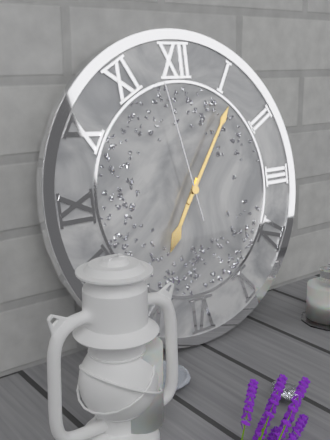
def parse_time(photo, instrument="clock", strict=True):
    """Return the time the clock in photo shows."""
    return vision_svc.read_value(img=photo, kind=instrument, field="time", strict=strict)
7:06:58
